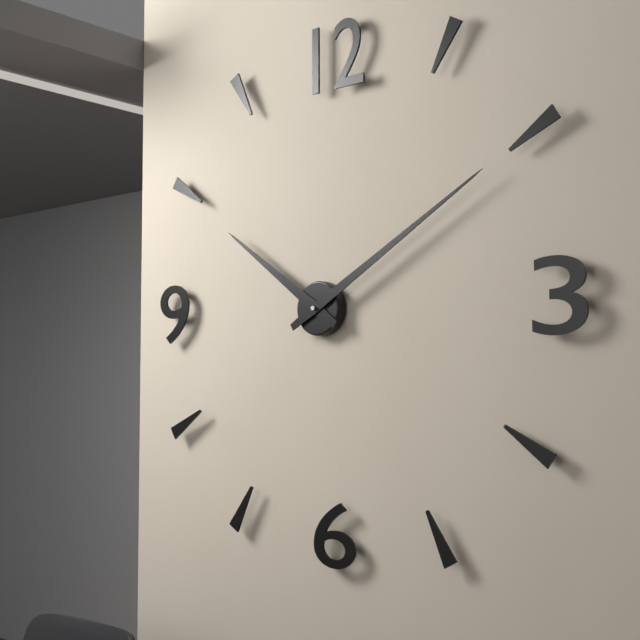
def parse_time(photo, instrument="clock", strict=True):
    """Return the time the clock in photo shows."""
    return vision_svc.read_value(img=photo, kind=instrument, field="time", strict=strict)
10:10
